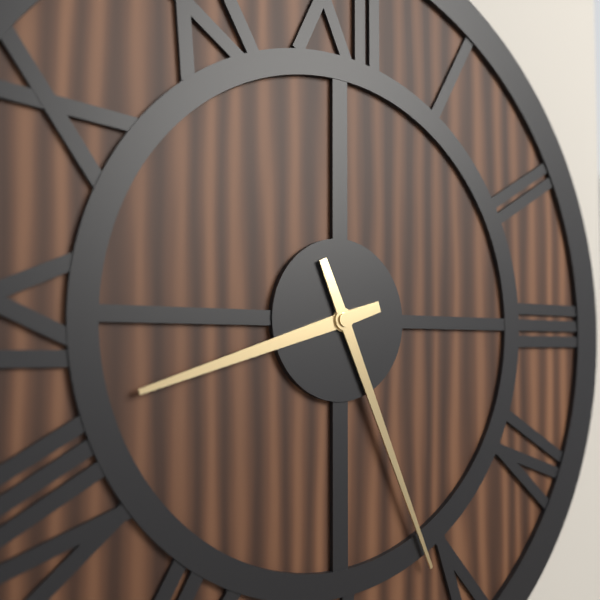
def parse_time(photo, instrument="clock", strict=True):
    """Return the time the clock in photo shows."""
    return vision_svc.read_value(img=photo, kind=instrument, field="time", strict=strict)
8:26
